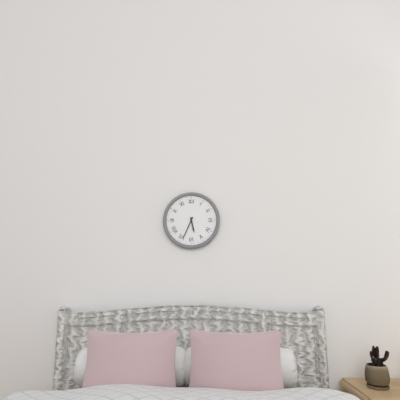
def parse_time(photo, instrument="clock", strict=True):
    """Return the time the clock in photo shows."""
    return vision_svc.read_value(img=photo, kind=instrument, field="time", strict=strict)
5:34
